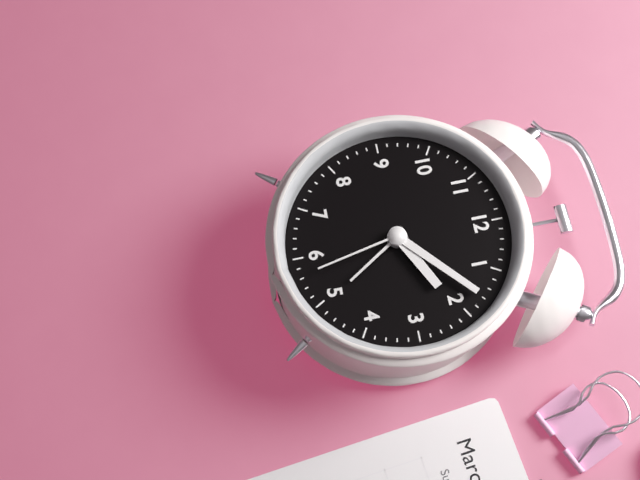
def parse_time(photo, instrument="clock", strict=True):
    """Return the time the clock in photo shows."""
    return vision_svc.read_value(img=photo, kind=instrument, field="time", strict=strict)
2:08:28
